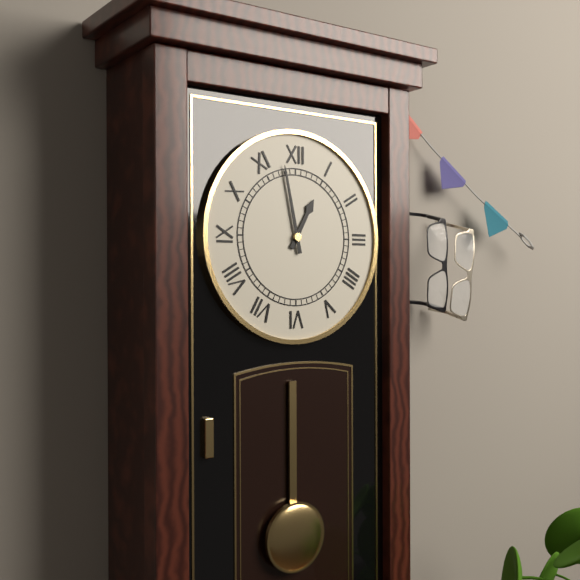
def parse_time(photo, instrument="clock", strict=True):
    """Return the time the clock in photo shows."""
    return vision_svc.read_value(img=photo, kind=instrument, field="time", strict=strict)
12:58
